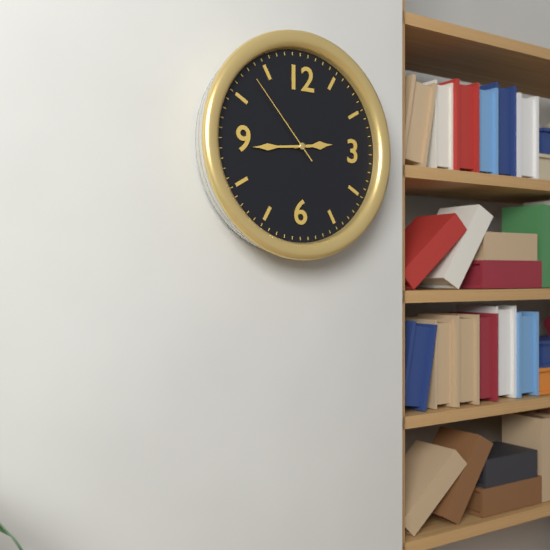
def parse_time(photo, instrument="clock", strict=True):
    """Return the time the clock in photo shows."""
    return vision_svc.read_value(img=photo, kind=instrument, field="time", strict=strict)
2:44:53
